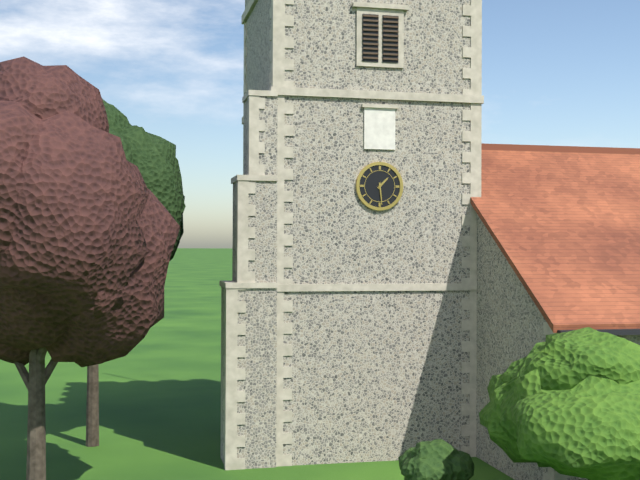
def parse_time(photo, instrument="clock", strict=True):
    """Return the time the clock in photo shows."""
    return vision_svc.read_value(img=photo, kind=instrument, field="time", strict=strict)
1:29
